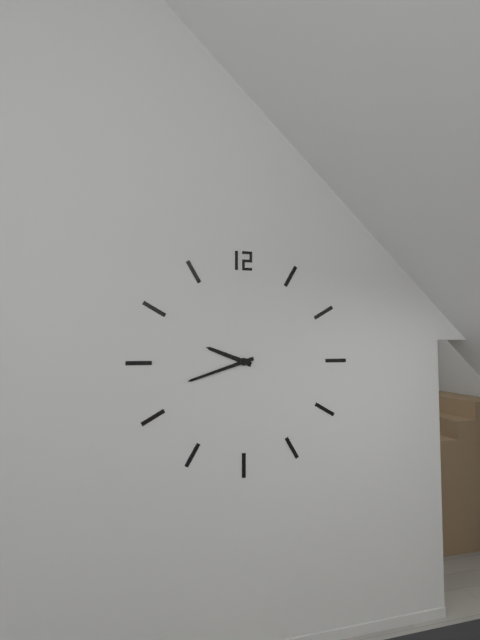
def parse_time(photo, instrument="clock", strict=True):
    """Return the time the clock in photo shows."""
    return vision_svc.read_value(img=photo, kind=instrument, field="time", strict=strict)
9:42
